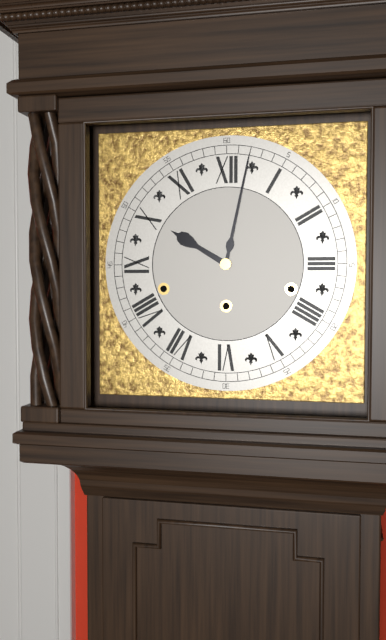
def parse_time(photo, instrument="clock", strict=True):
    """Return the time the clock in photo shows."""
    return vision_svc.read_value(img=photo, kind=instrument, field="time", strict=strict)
10:02
